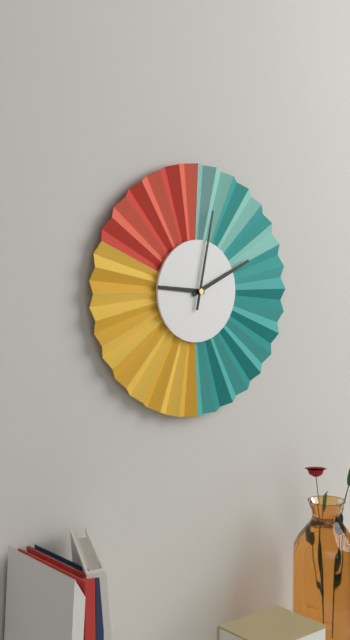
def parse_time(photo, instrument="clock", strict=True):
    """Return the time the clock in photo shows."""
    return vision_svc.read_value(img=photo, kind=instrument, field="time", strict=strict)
9:11:02
